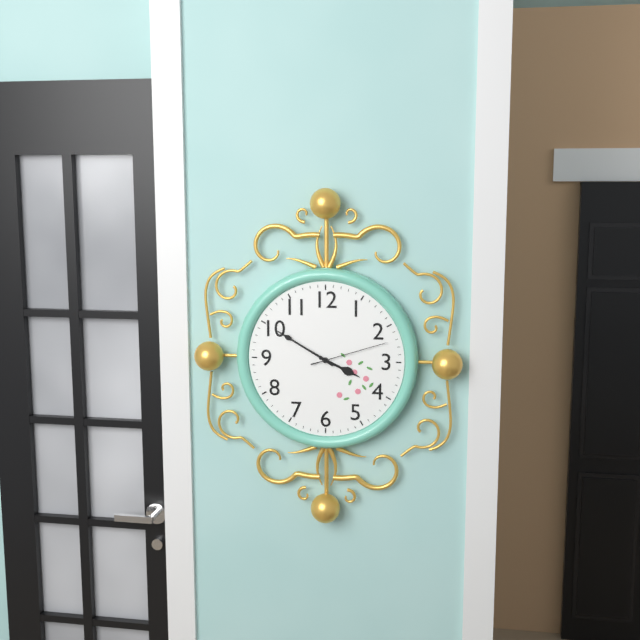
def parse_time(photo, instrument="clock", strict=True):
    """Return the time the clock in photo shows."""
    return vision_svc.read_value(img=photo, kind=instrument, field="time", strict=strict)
3:50:12
